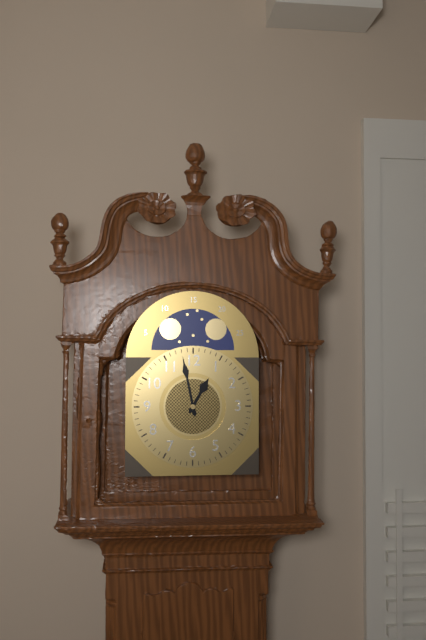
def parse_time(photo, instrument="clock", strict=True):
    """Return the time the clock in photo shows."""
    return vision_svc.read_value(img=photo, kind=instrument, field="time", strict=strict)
12:58
